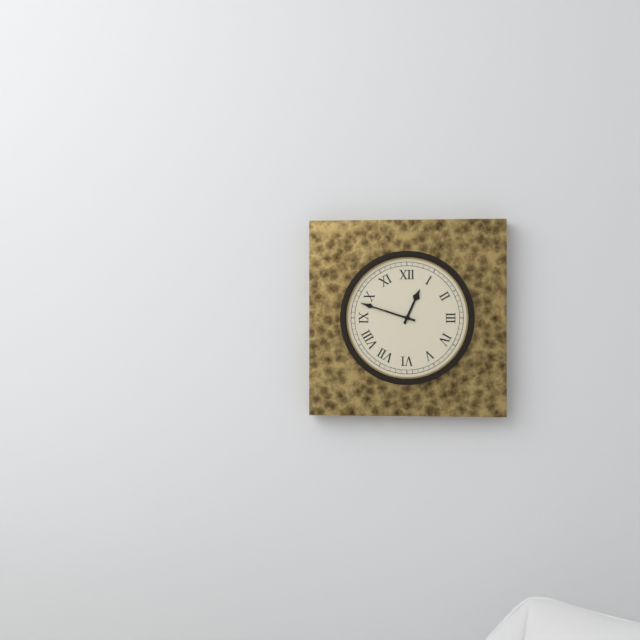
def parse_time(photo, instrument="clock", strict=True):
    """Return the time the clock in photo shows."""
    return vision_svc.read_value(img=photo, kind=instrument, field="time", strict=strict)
12:48
